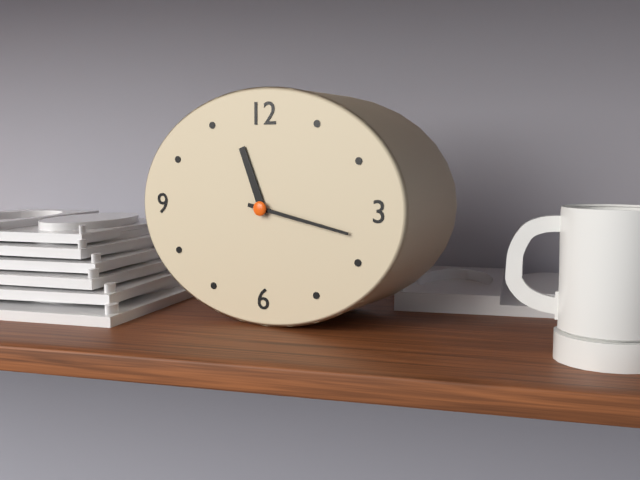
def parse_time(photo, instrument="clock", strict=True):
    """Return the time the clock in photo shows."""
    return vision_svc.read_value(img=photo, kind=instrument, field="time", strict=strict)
11:17
